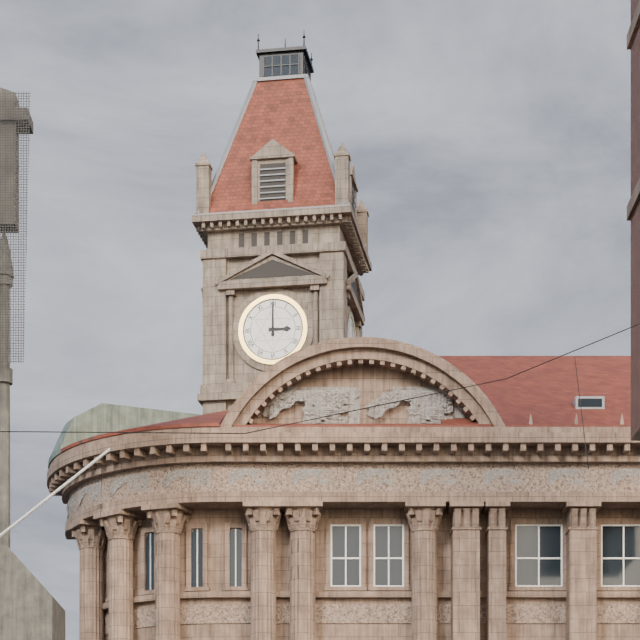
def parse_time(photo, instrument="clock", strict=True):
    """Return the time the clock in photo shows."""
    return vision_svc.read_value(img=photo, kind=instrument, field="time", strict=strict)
3:00
